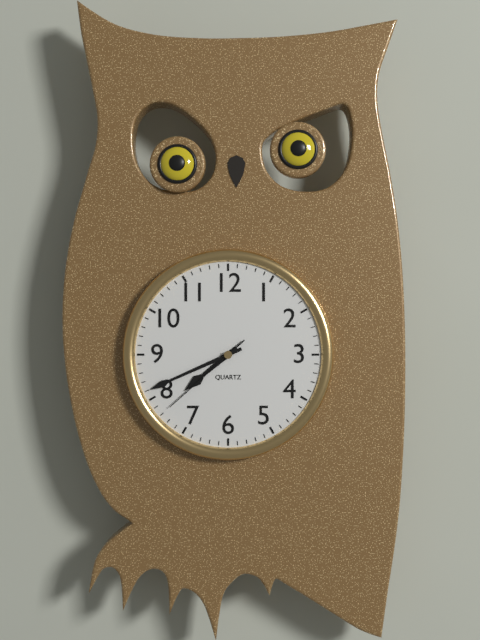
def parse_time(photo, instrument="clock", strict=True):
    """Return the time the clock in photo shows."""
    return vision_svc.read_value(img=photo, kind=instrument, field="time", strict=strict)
7:41:38
